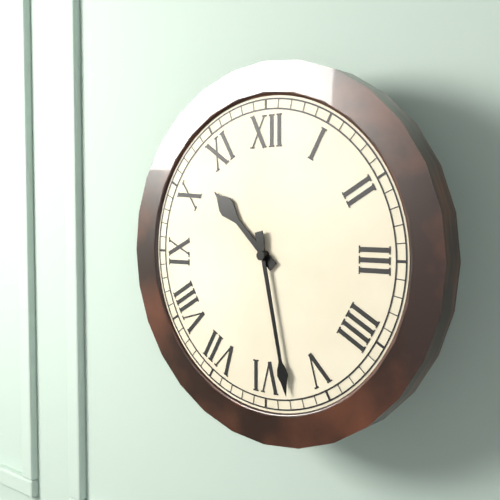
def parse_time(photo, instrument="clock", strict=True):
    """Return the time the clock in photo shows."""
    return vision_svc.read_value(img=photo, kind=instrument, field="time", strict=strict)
10:28
